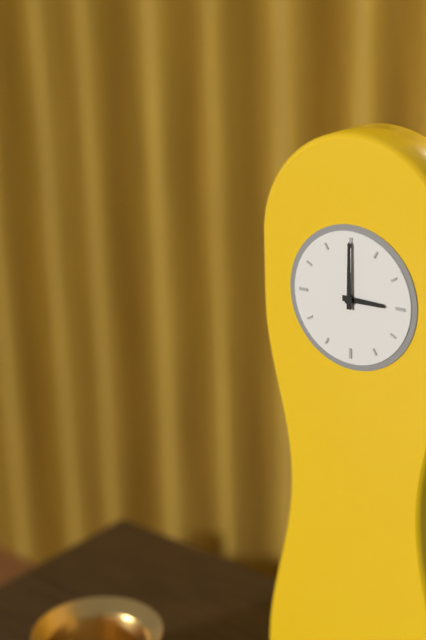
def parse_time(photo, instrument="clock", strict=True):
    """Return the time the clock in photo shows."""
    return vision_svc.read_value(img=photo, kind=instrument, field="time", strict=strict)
3:00
